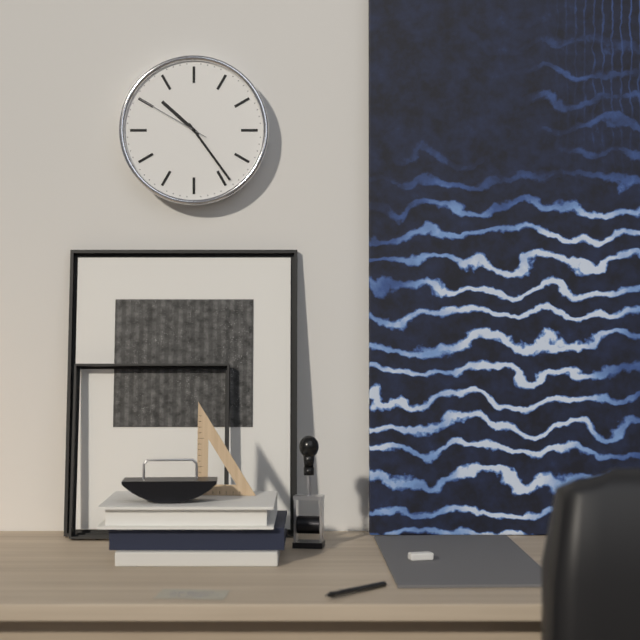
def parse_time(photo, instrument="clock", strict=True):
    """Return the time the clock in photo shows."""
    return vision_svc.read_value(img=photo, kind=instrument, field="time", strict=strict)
10:24:50
